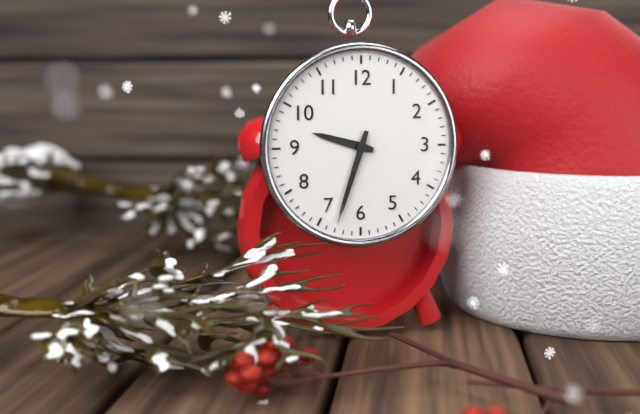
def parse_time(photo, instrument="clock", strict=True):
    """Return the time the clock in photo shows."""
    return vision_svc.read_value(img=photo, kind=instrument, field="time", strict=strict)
9:33
